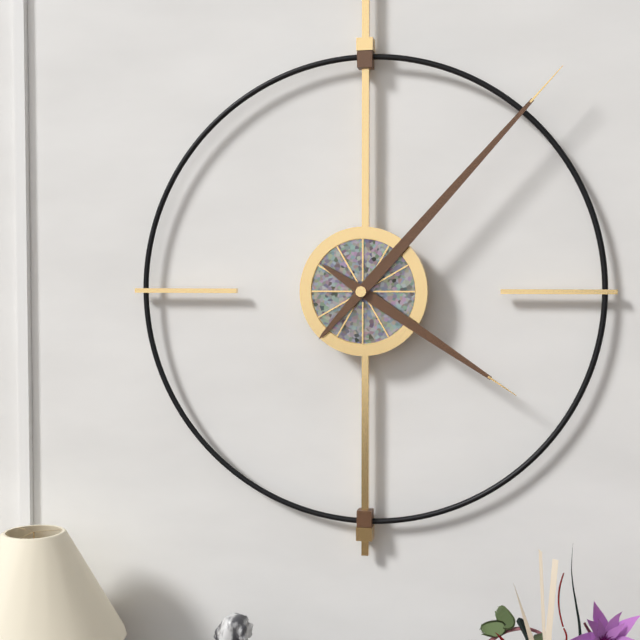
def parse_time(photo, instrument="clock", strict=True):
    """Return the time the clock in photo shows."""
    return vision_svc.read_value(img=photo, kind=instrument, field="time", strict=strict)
4:07
